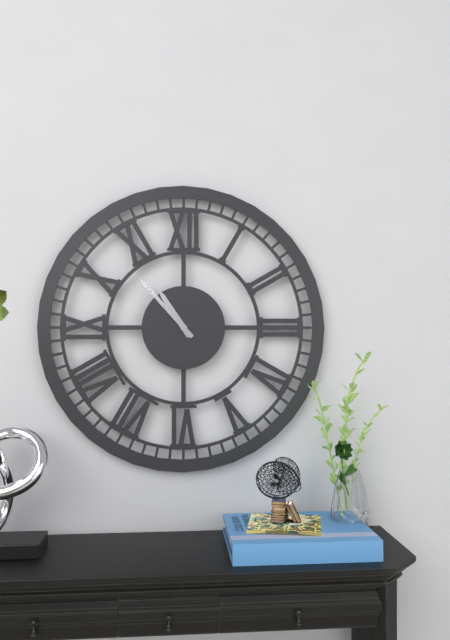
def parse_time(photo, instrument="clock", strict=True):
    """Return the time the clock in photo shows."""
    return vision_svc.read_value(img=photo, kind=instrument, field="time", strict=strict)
10:53
